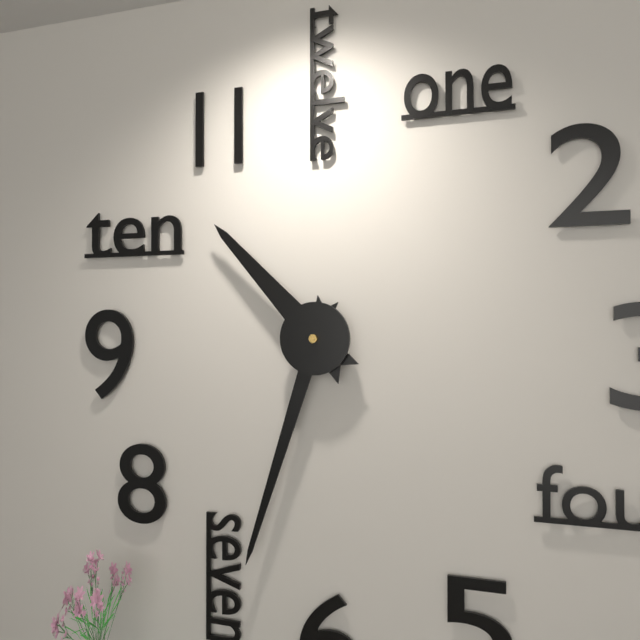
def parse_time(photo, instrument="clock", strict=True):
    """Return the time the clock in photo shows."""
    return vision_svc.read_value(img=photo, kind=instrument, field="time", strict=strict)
10:33
